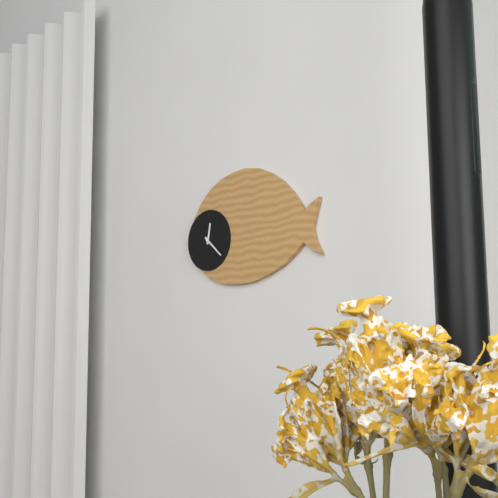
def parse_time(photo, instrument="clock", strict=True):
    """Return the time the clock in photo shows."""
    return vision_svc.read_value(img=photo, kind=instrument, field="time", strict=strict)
12:22
